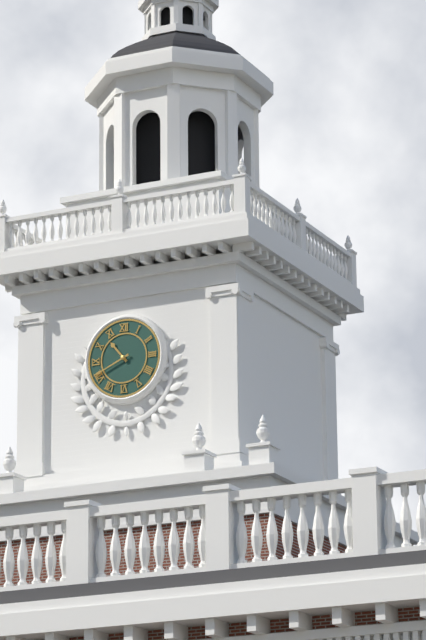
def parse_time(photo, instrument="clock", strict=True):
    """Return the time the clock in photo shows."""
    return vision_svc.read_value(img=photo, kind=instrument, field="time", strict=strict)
10:41
